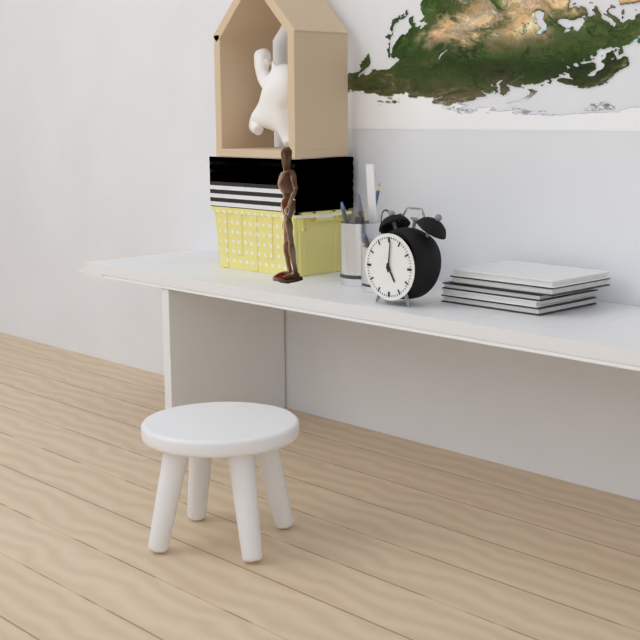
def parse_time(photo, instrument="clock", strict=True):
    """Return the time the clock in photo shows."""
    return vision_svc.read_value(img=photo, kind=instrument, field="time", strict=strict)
5:01
